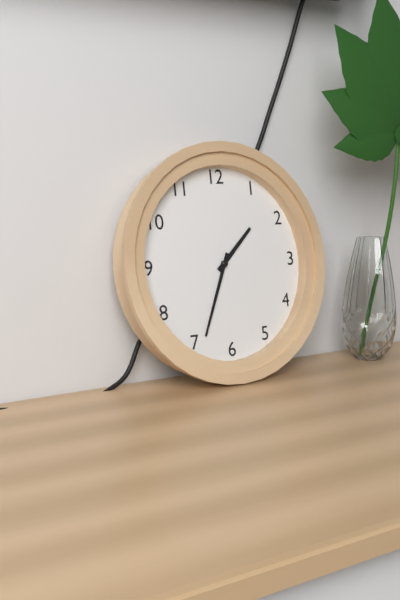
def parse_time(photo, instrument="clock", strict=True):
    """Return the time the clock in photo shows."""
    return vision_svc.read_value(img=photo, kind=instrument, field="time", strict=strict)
1:34
